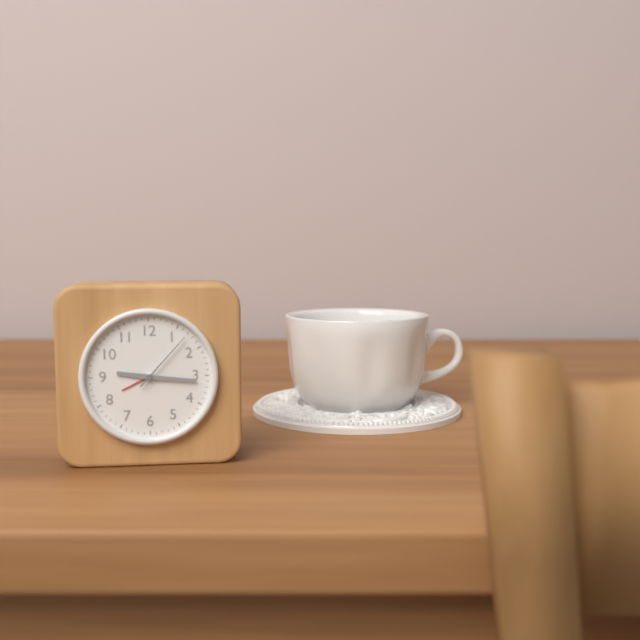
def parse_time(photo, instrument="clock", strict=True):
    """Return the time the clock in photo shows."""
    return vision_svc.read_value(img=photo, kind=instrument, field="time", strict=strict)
9:16:07
